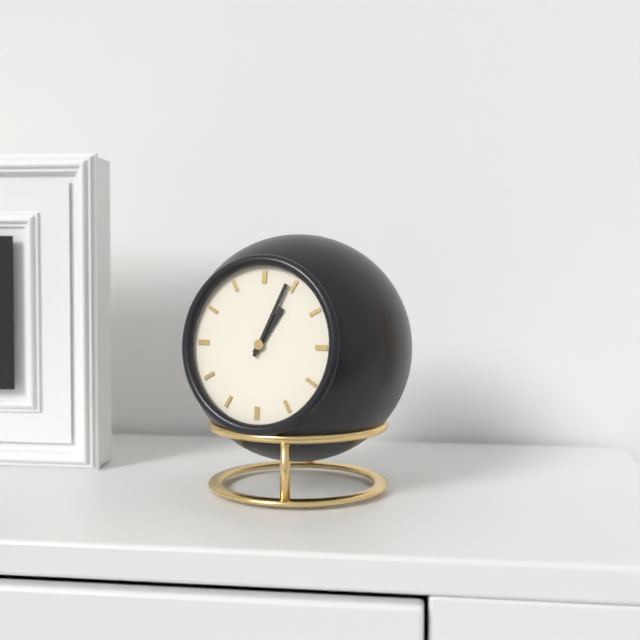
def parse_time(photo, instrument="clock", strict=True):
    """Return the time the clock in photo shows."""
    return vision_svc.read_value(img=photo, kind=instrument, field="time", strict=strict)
1:04
